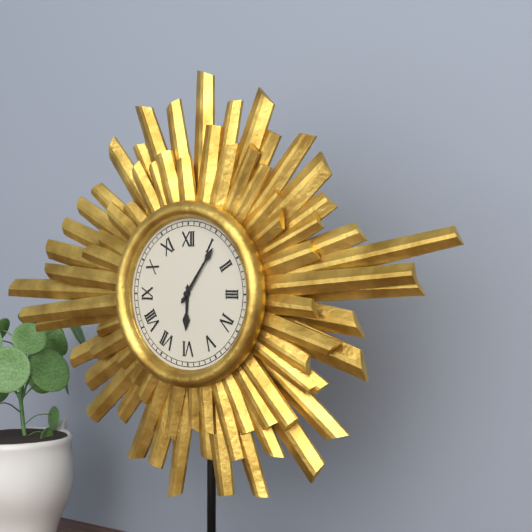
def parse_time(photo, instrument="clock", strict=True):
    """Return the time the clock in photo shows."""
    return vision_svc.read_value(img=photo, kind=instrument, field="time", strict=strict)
6:06
